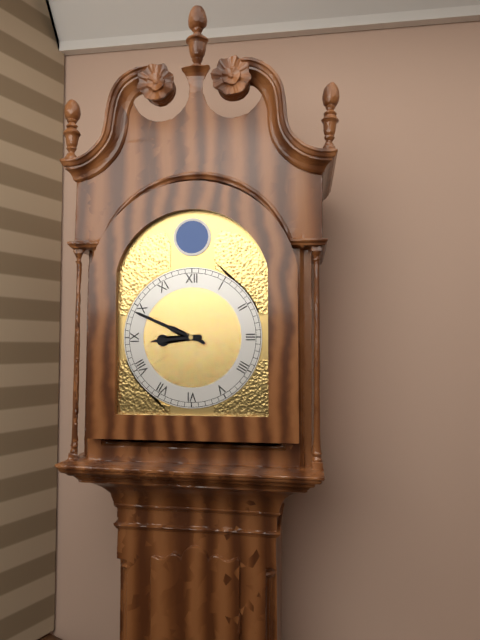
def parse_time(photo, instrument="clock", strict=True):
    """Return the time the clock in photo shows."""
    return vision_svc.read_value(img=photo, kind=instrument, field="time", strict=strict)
8:49
